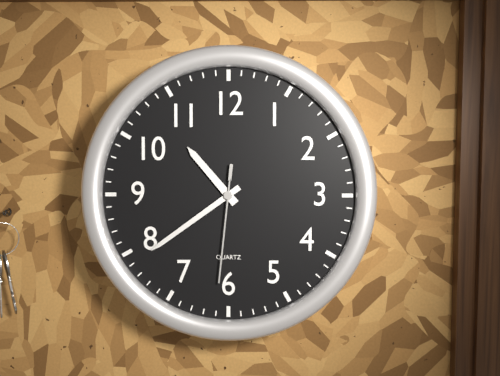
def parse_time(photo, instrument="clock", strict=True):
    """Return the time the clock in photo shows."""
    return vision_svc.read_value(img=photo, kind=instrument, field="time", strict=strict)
10:39:31
